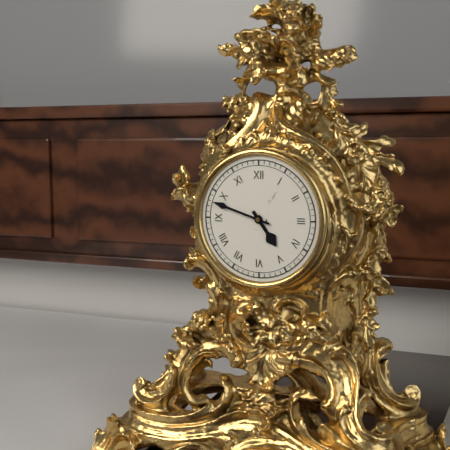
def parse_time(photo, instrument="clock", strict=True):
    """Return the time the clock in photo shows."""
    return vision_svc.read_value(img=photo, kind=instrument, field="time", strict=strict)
4:48
